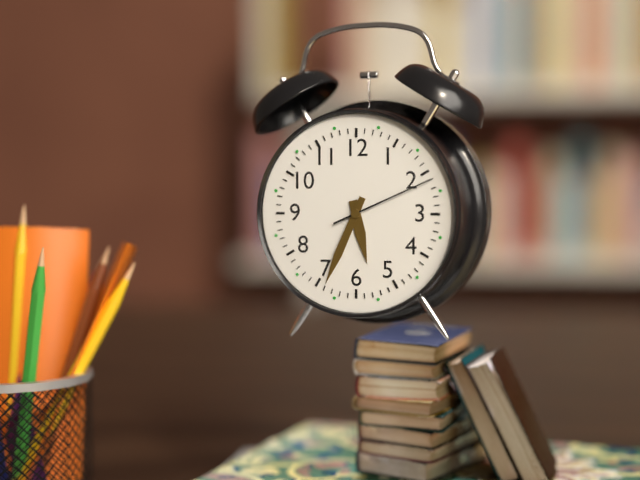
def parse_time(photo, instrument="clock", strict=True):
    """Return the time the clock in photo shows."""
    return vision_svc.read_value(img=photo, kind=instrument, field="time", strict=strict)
5:34:11
